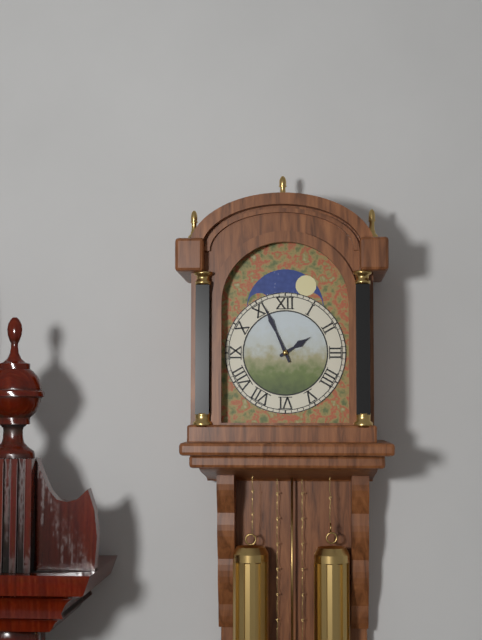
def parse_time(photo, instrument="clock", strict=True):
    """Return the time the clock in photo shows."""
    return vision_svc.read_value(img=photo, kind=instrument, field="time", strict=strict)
1:56
